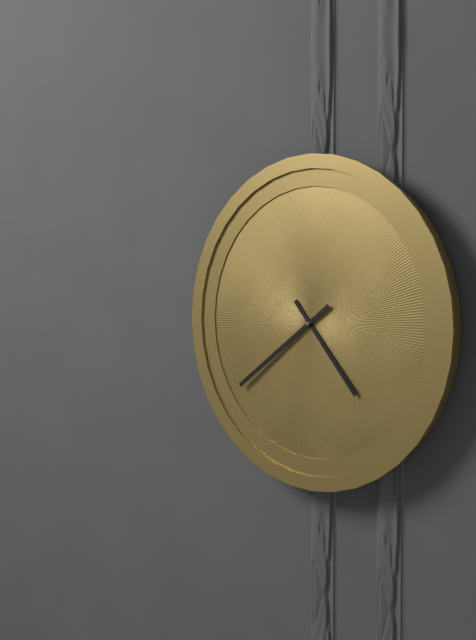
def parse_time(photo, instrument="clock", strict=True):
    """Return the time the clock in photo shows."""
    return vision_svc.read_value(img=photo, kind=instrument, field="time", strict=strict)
4:39
